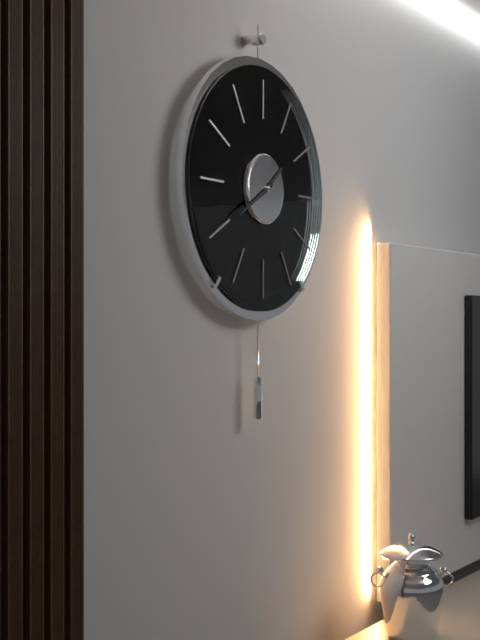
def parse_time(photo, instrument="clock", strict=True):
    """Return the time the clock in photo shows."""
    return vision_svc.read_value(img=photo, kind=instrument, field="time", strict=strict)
1:40
